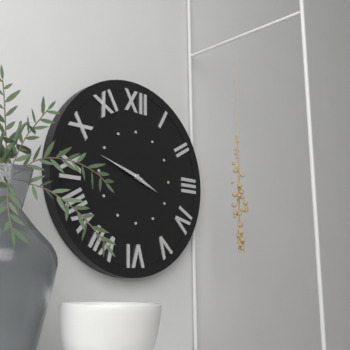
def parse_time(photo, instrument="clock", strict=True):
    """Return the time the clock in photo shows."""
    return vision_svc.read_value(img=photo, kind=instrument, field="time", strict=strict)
3:48
